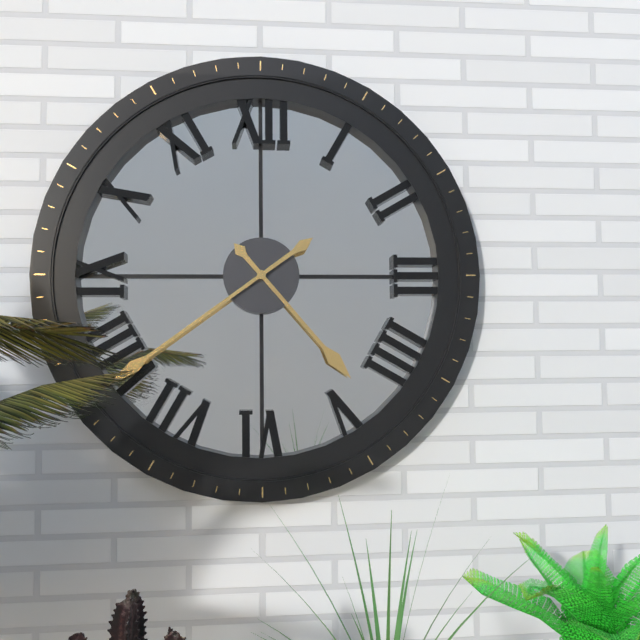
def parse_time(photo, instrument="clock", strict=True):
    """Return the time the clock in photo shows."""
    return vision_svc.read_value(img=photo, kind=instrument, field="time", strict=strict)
4:39
